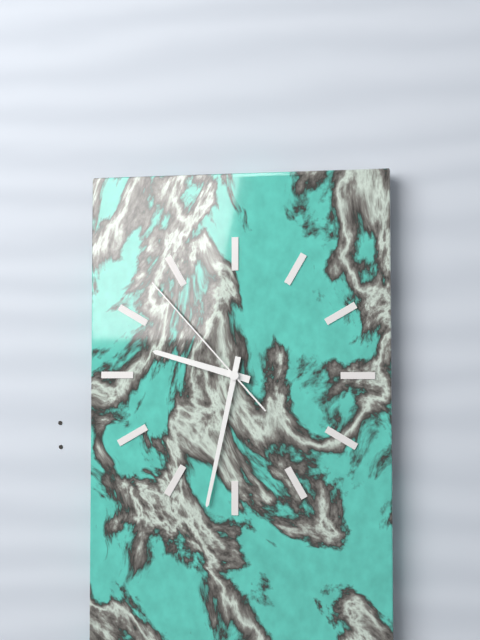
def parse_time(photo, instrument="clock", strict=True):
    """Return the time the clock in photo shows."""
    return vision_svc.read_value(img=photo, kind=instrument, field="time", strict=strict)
9:32:53
